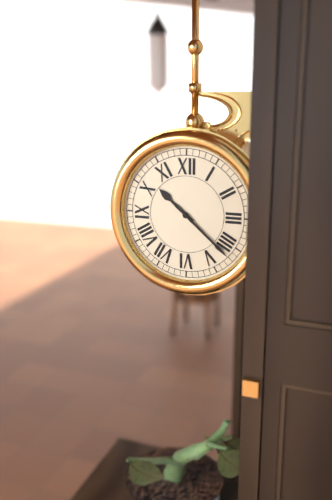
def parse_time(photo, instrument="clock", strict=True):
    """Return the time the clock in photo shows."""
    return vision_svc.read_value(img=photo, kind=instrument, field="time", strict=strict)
10:22
